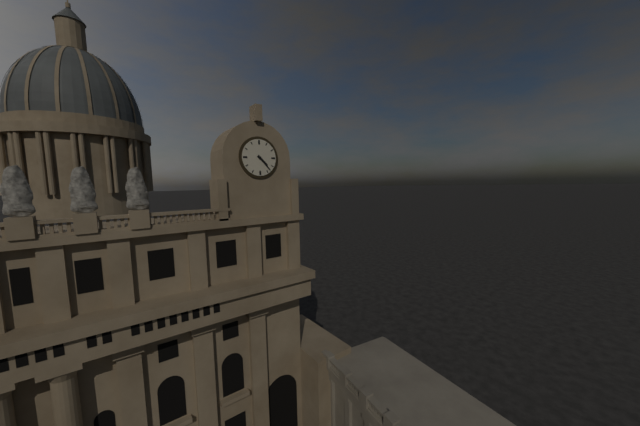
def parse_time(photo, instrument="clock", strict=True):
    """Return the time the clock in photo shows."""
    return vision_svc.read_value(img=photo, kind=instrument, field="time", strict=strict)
4:23
